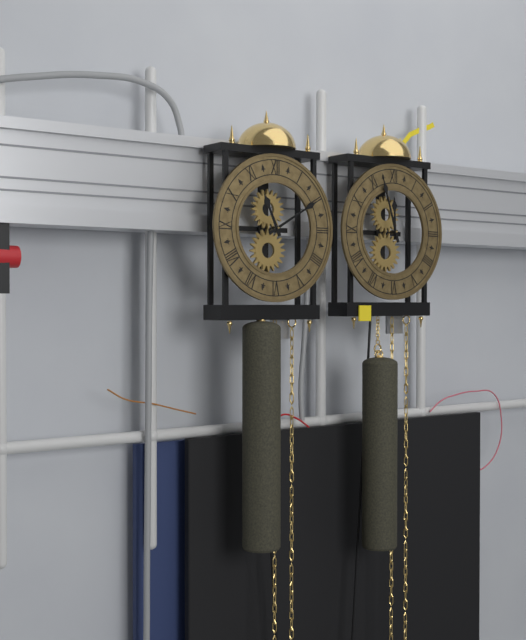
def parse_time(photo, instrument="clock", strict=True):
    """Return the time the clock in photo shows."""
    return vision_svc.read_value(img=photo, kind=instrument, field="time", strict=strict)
11:10
